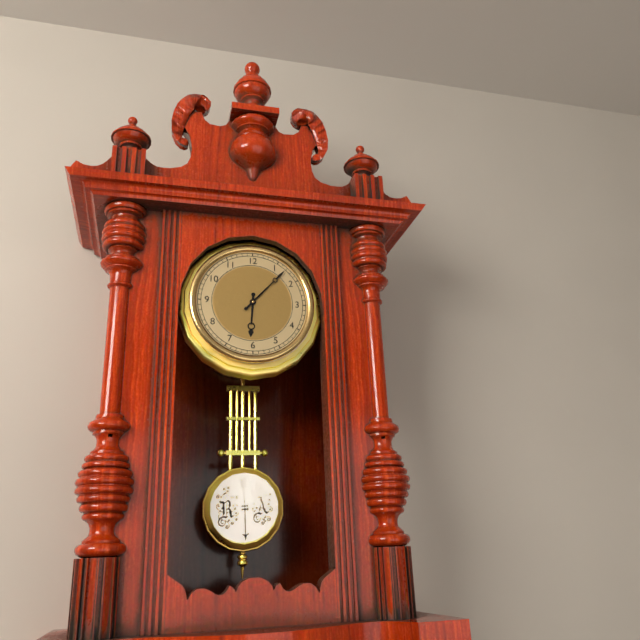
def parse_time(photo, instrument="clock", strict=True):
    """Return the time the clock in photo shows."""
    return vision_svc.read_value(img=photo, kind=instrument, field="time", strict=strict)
6:07
